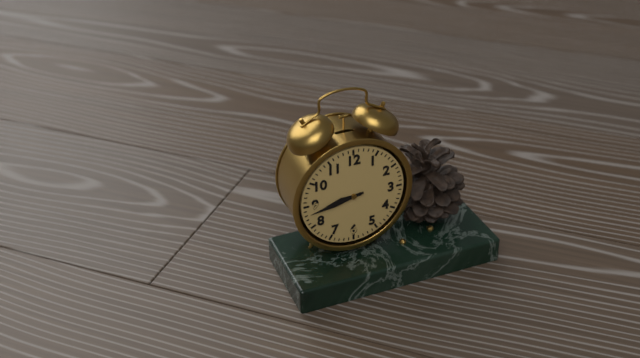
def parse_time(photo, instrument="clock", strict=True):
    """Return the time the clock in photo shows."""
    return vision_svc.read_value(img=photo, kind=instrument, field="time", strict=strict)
8:43
